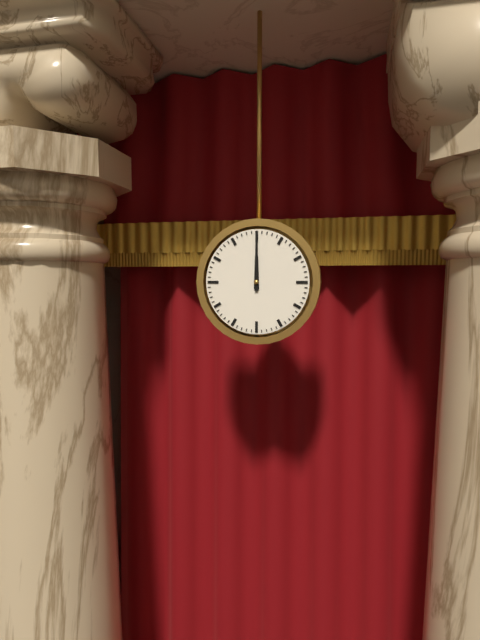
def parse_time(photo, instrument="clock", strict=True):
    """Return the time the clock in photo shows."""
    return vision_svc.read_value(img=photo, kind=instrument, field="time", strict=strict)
12:00
